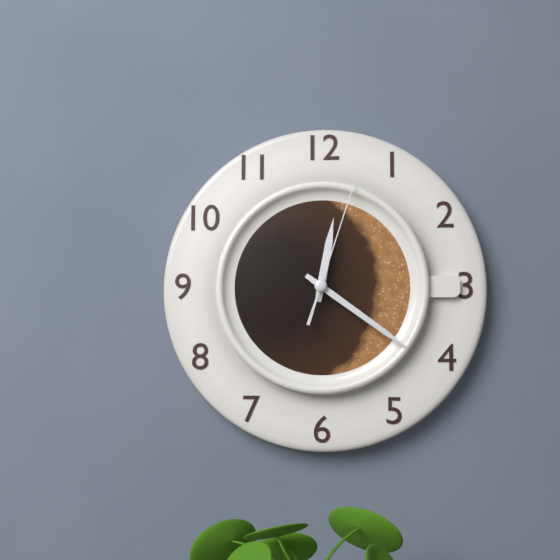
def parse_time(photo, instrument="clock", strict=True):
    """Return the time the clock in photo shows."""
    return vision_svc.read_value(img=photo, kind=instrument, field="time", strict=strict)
12:21:03
